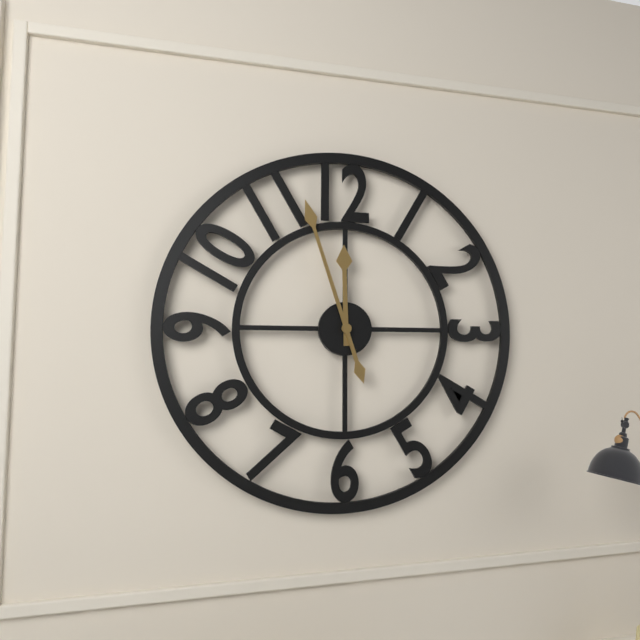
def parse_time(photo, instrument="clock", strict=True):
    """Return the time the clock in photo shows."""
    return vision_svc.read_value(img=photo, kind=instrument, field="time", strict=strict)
11:57
